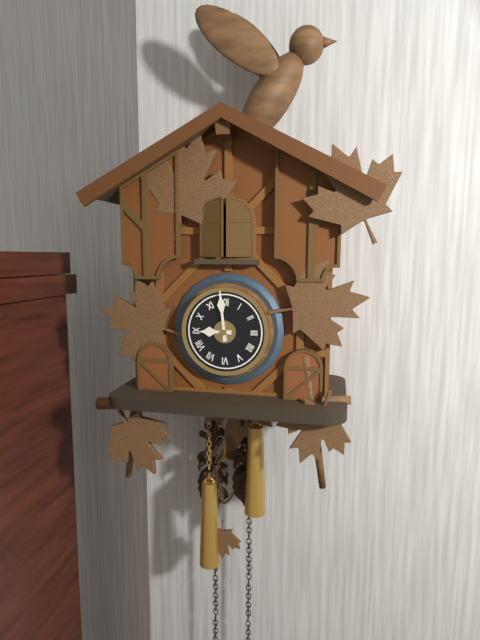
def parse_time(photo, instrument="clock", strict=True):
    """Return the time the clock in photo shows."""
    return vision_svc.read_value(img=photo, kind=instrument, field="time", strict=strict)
8:59
